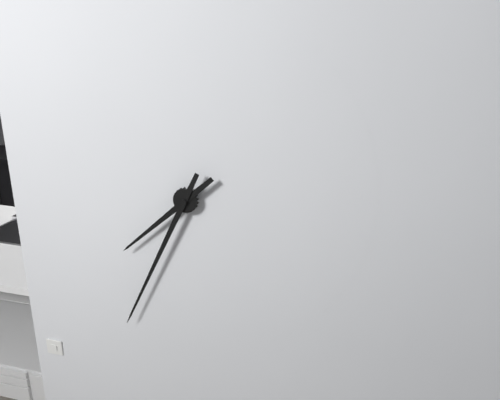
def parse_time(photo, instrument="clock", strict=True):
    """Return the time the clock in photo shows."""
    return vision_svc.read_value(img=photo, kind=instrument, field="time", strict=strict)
7:34
